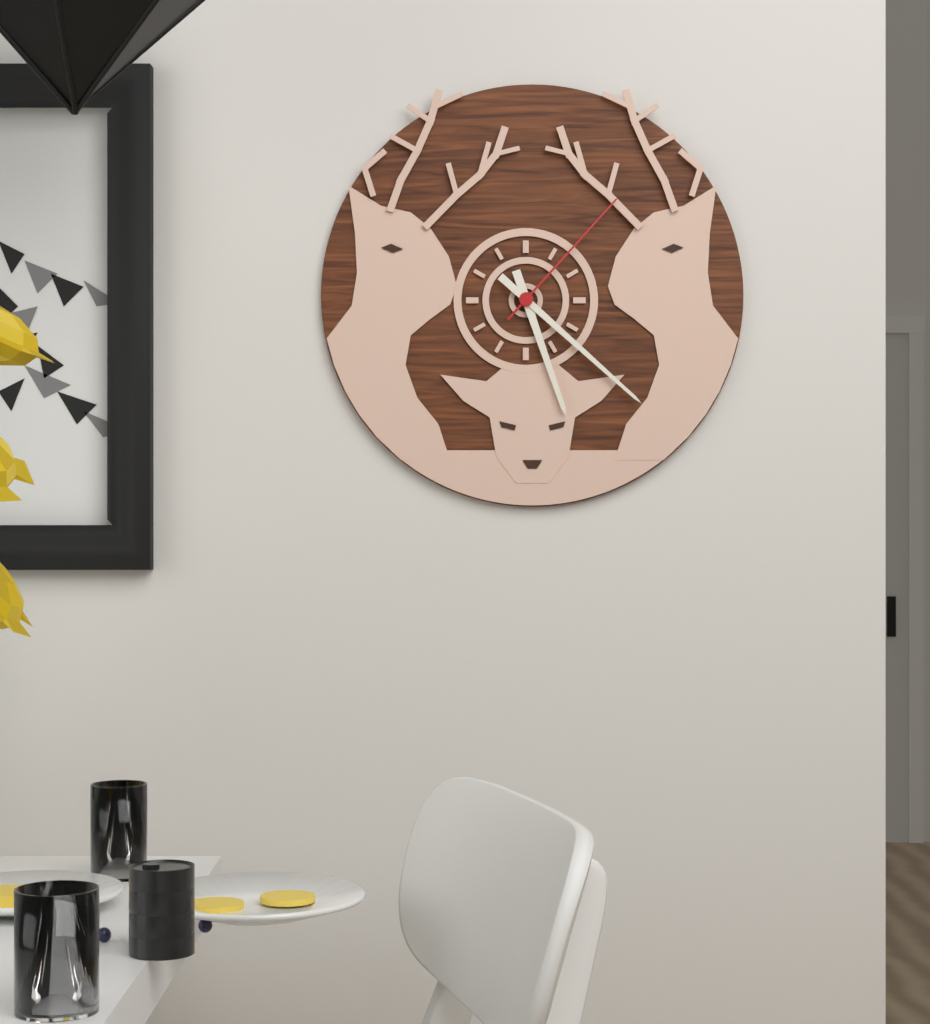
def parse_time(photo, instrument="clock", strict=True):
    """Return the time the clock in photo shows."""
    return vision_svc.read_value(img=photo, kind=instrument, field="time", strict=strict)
5:22:07
